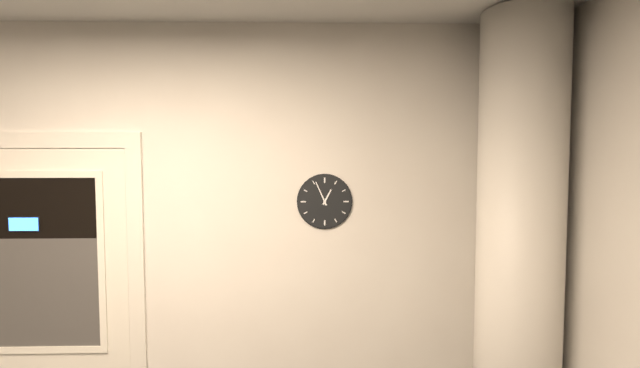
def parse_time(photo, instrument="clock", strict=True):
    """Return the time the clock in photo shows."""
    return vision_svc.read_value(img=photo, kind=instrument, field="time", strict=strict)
12:56
